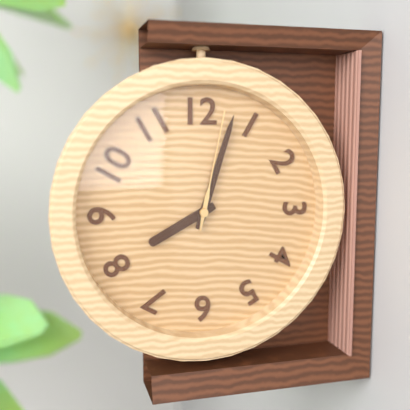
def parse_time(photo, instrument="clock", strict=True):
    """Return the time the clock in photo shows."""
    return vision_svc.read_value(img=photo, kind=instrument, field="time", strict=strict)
8:03:02
